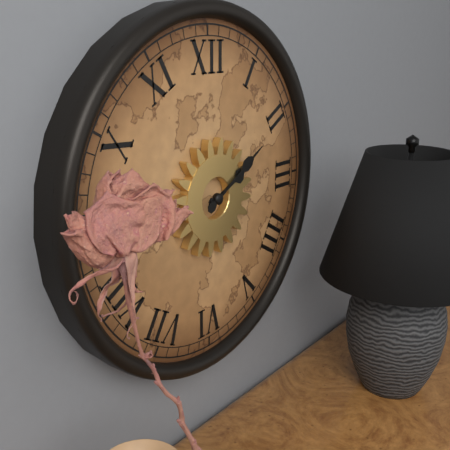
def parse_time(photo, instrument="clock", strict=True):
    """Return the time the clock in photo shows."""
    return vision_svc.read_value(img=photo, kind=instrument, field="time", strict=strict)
2:10
